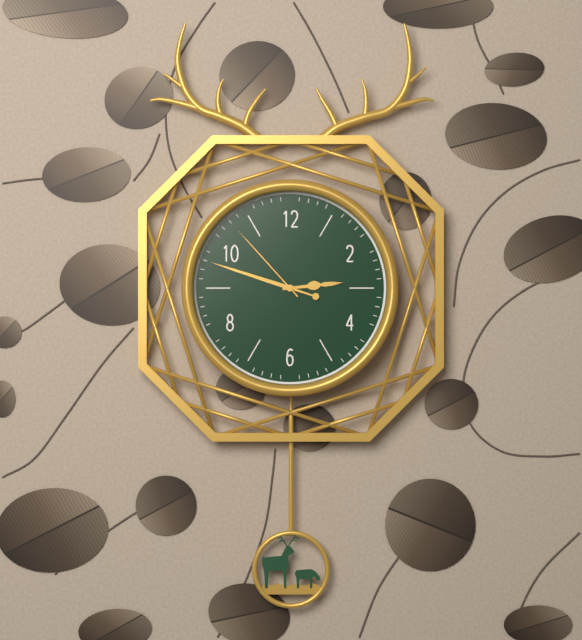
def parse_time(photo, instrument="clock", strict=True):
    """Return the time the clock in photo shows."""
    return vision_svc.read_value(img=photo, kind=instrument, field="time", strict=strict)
2:48:53
